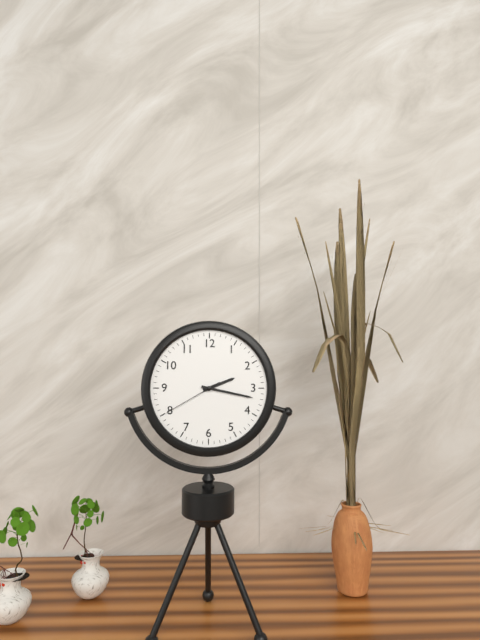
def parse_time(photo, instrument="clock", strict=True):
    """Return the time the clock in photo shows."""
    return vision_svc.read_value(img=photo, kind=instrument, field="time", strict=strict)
2:17:40
